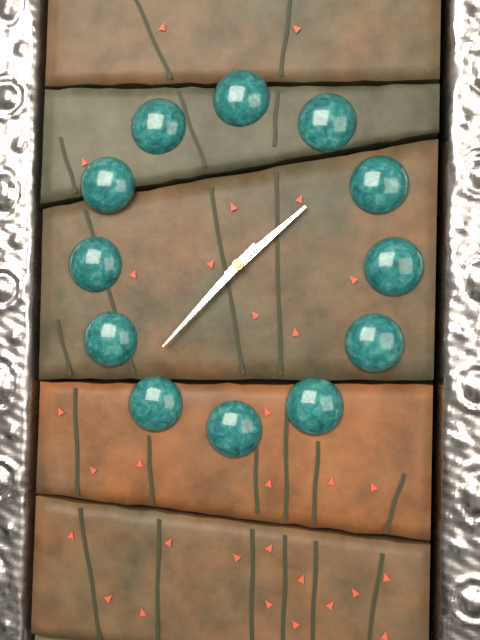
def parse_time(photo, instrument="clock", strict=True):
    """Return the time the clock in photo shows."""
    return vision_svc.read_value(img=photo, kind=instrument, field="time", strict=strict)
1:37
